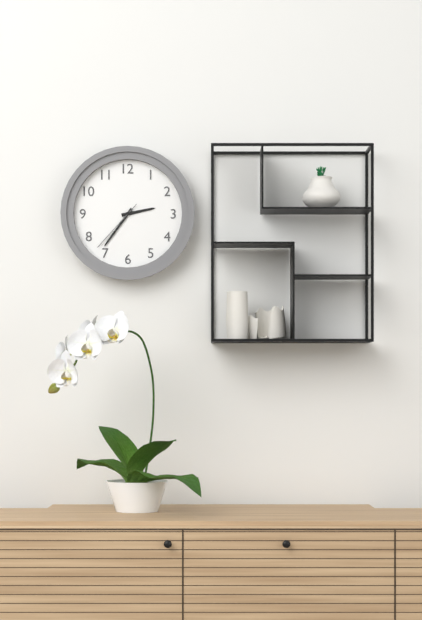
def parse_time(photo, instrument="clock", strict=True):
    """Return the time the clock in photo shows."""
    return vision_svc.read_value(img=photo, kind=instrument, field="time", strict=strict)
2:36:37
